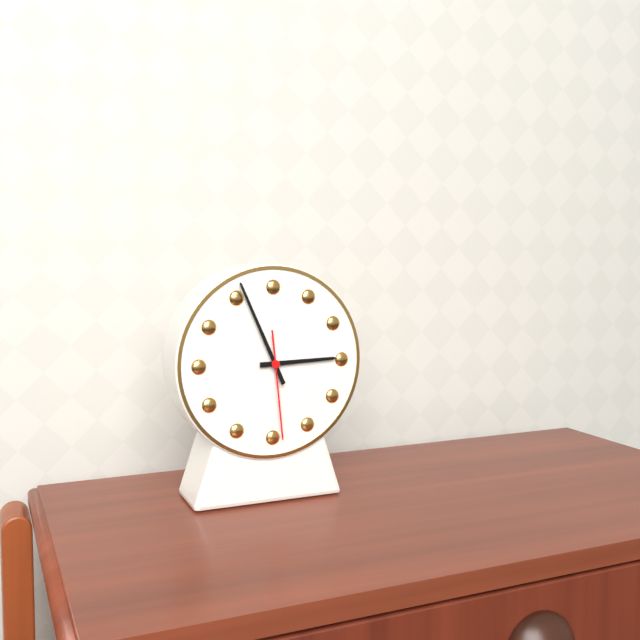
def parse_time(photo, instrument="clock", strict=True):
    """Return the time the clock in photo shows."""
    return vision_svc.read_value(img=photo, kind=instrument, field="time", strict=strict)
2:56:29
